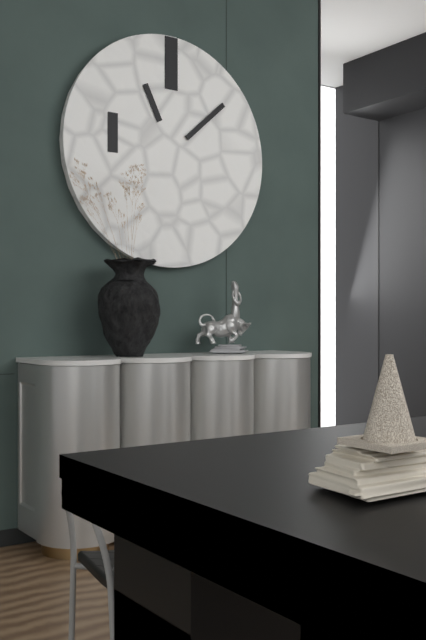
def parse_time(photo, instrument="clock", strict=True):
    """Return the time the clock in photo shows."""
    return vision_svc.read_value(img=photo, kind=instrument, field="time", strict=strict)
11:08
